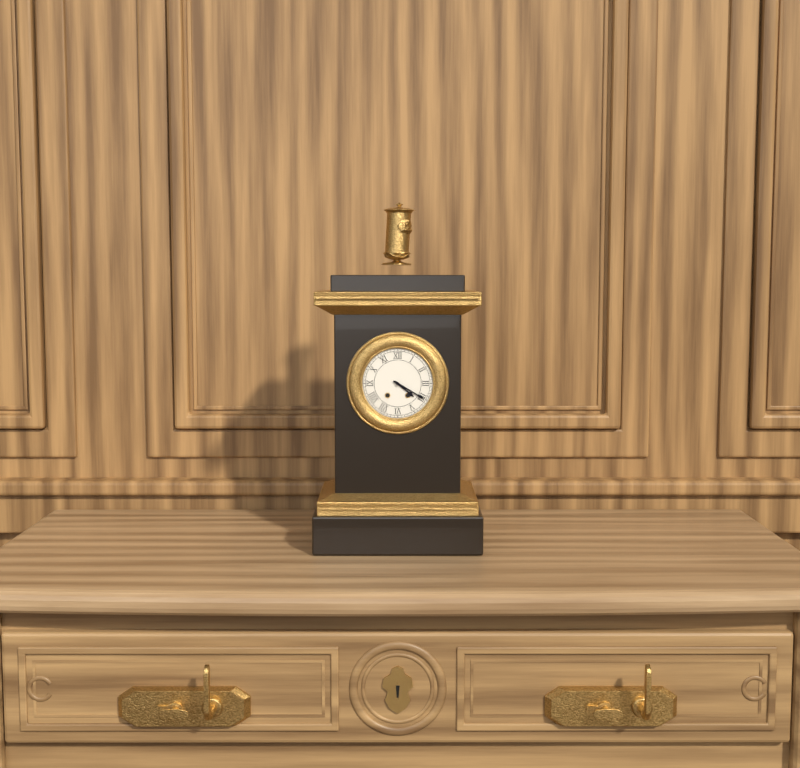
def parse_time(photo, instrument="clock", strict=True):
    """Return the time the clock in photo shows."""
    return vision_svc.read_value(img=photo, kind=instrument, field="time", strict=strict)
4:20
